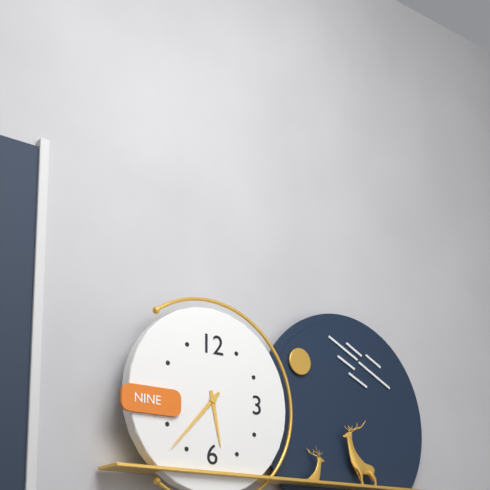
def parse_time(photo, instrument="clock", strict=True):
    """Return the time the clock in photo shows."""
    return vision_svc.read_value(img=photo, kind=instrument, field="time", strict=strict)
5:37
